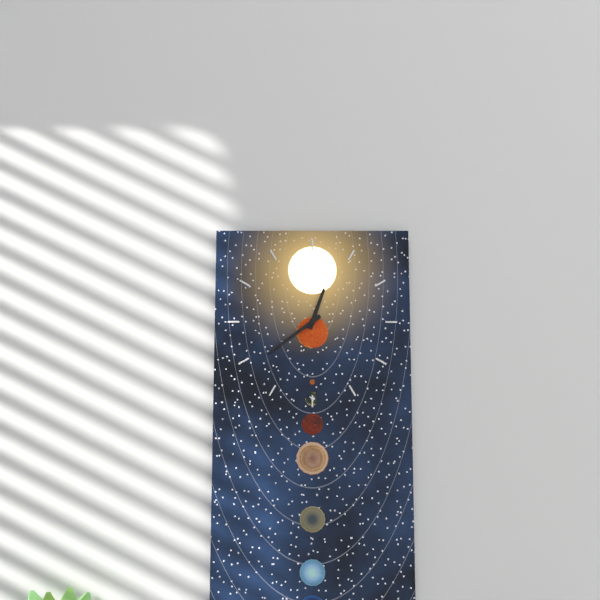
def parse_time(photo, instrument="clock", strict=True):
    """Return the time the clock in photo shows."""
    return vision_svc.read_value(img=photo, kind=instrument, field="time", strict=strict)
12:39
